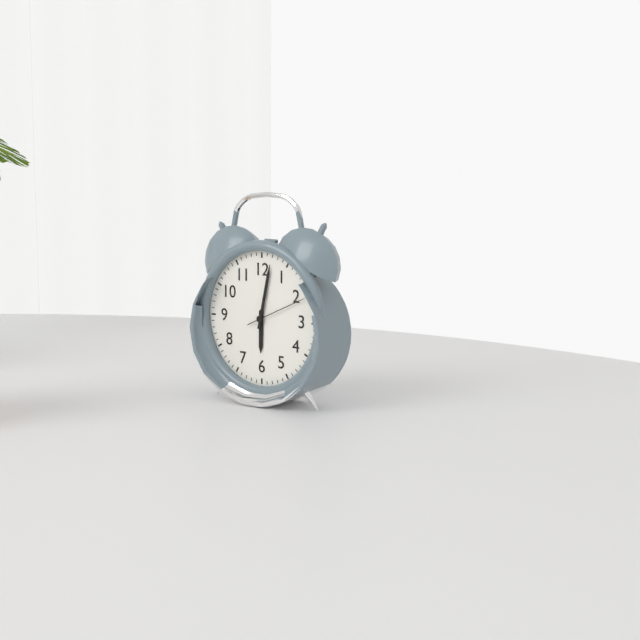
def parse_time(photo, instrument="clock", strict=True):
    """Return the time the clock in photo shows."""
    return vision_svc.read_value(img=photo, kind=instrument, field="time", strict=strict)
6:02:11
